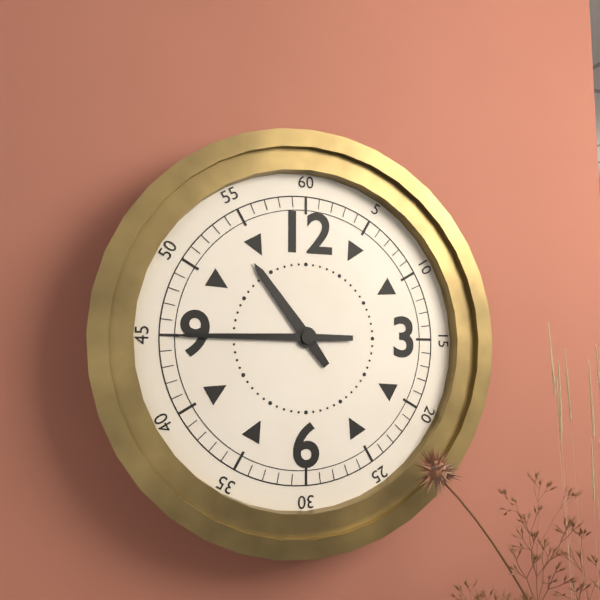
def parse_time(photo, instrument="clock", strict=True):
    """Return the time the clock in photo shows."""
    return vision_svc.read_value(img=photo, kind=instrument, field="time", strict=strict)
10:45
